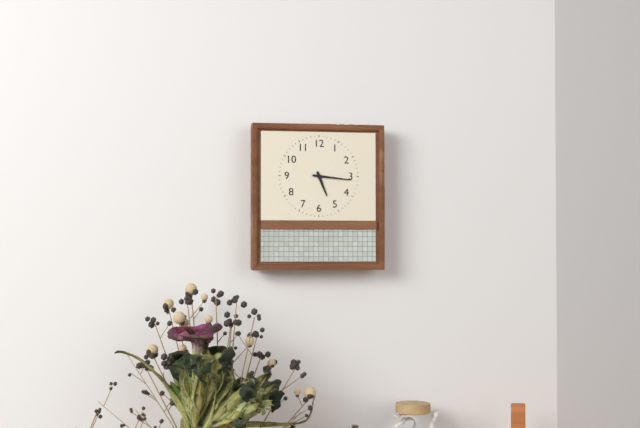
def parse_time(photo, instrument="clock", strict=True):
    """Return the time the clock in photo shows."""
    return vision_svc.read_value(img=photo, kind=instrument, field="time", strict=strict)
5:16
